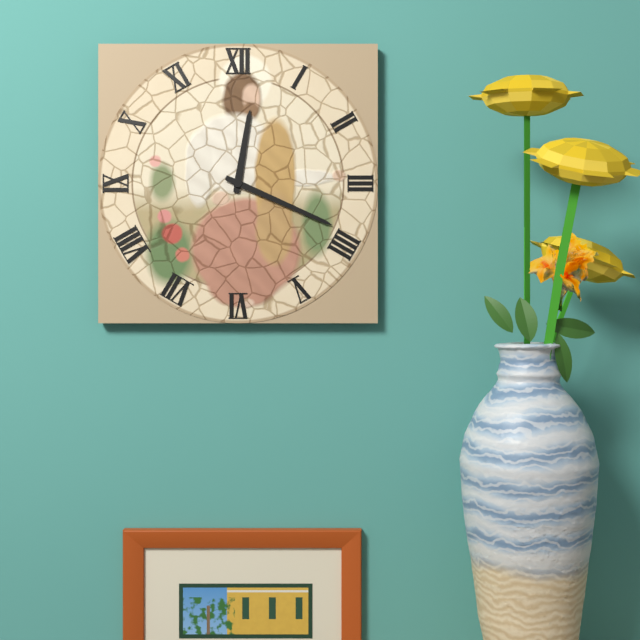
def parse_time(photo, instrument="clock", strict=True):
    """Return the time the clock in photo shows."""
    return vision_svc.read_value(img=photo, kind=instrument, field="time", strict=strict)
12:19
